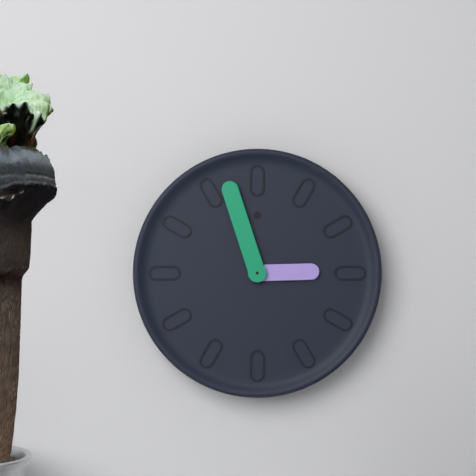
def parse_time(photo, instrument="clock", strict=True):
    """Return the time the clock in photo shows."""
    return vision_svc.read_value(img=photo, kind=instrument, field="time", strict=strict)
2:57
